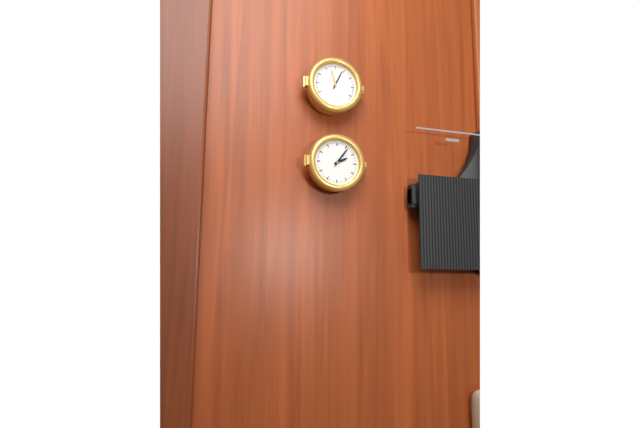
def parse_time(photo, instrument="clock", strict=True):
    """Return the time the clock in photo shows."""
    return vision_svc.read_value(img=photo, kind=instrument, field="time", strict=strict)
2:06
